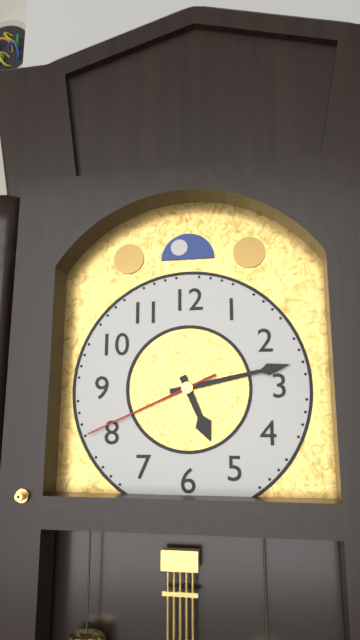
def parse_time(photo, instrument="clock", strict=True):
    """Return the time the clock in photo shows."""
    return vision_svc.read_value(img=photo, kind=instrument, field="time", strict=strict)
5:13:41
